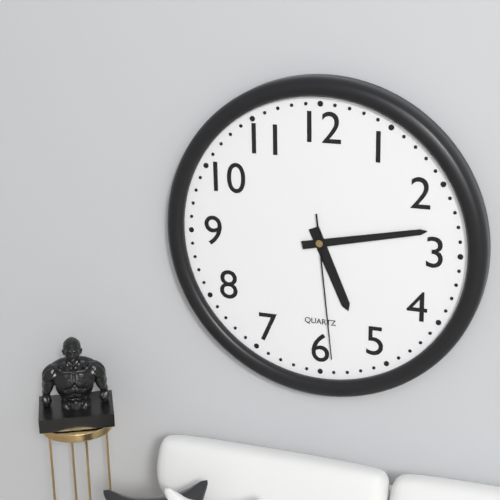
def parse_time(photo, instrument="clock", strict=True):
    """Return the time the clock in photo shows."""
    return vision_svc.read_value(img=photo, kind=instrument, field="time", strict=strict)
5:13:29
